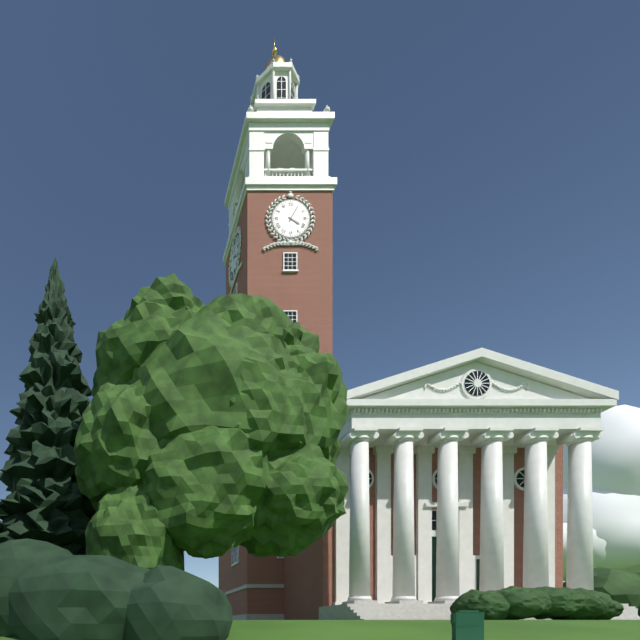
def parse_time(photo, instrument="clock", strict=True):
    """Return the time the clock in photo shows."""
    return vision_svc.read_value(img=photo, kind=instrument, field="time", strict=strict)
4:05
